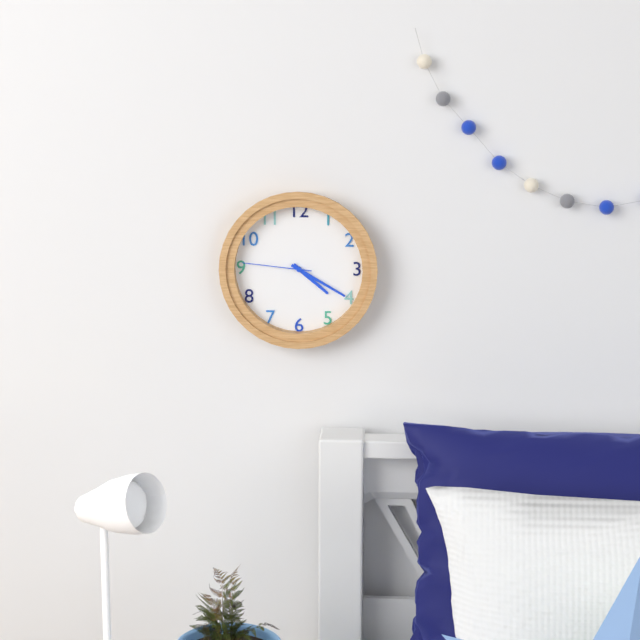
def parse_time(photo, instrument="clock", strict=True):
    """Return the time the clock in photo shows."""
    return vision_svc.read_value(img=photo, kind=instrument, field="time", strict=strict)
4:20:46
